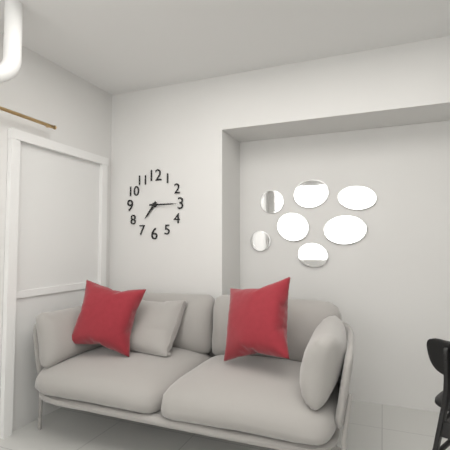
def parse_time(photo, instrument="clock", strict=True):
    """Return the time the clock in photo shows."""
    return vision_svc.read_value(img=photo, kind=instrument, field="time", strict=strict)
7:15
